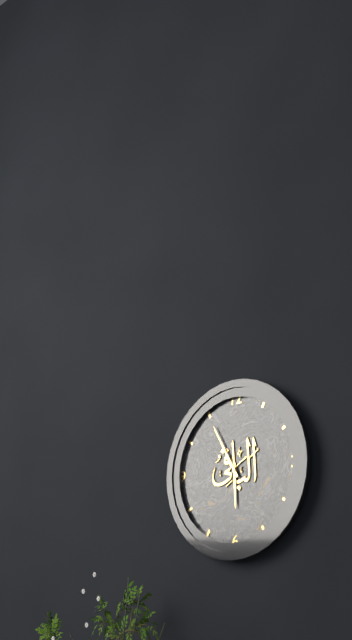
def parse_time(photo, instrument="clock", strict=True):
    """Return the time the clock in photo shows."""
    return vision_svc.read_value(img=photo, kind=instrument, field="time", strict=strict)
5:55
